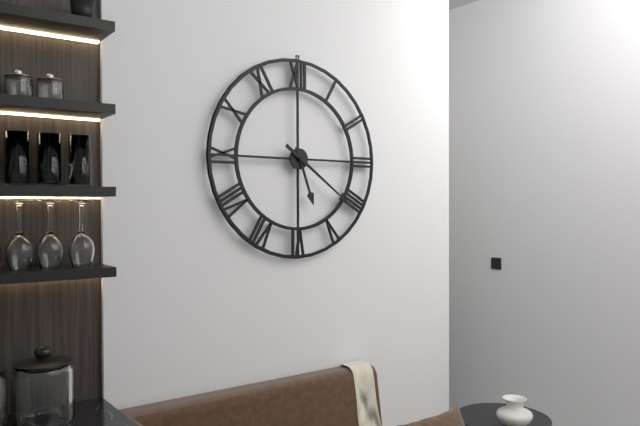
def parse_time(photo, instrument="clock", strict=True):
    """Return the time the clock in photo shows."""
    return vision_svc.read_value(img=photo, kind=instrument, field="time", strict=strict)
5:21
